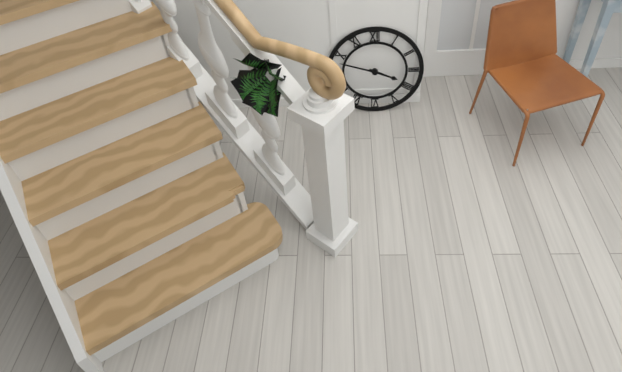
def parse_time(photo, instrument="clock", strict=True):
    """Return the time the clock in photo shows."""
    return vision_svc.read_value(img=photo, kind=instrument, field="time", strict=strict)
3:48
